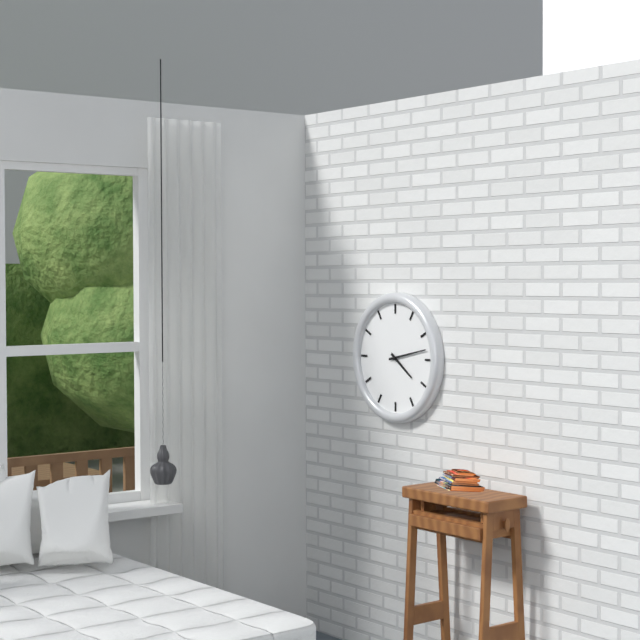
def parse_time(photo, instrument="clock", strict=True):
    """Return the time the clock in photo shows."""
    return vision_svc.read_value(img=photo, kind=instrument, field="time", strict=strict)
4:13
